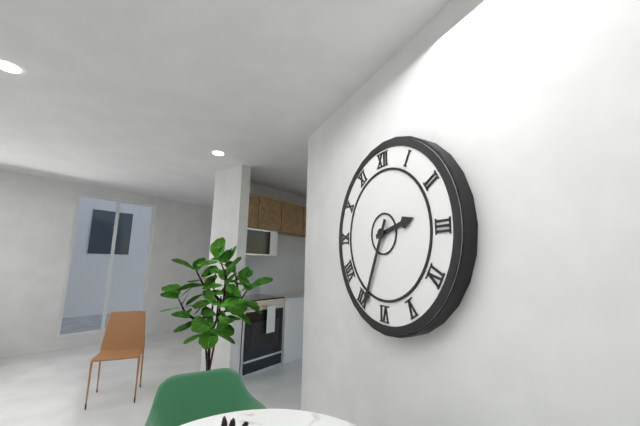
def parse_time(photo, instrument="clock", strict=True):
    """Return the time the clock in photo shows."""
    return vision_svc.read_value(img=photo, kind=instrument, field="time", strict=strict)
2:34
